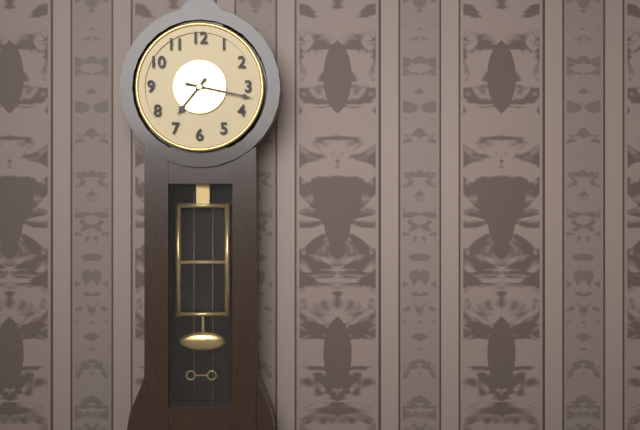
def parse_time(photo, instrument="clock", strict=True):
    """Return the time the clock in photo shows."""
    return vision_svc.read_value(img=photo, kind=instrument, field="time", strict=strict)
7:17
